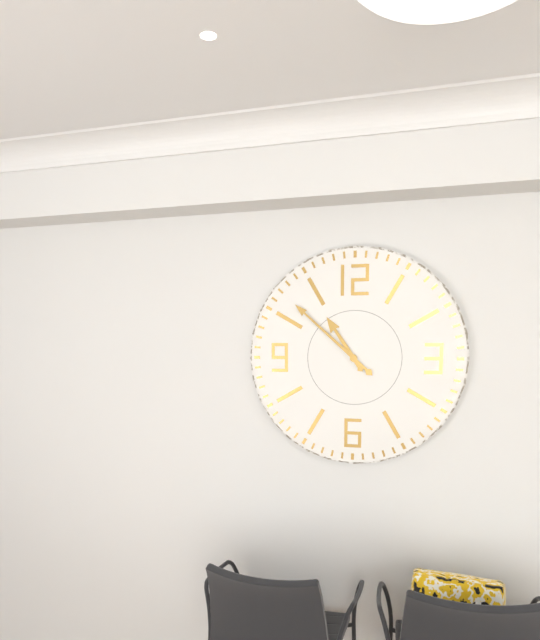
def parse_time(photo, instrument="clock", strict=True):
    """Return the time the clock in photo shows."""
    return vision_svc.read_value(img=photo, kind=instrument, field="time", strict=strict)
10:52
